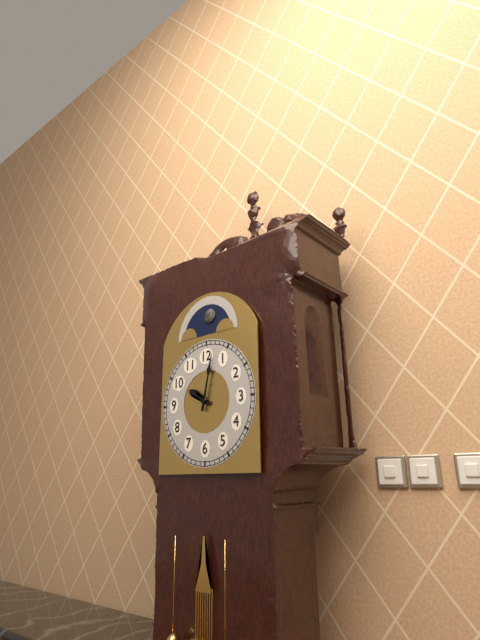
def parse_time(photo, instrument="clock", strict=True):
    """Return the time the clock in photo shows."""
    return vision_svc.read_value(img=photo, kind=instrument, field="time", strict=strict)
10:02
